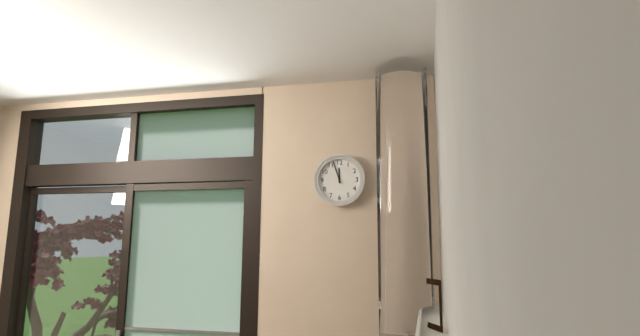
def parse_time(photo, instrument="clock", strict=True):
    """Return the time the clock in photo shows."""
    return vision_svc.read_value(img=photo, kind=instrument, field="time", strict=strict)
11:57
